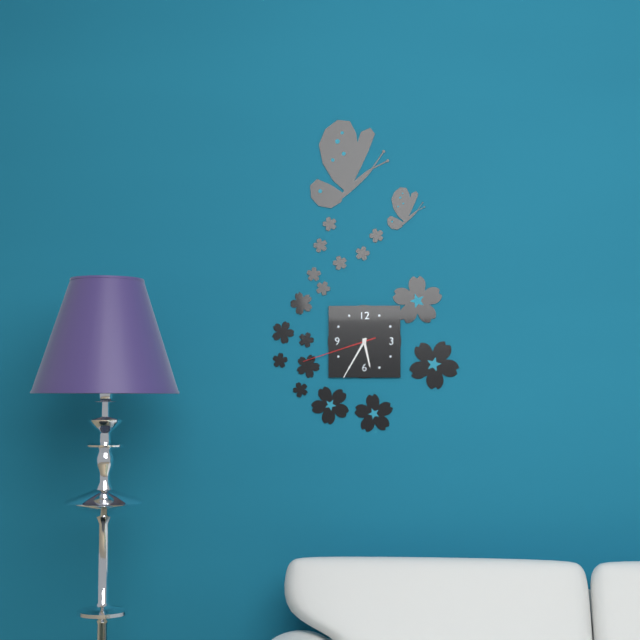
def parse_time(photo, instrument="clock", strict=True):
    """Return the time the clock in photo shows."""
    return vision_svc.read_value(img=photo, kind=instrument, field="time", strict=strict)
5:35:42
